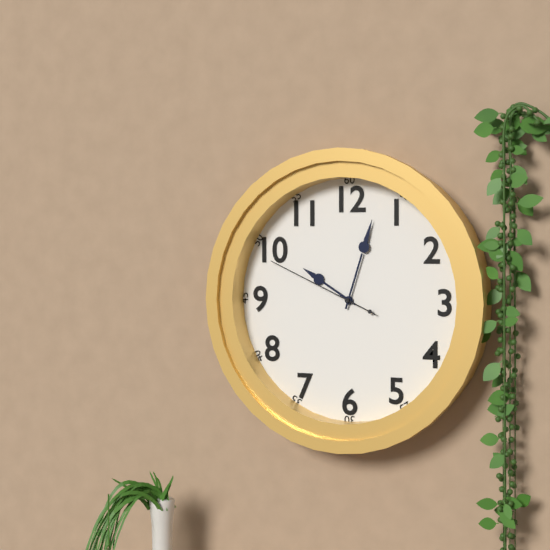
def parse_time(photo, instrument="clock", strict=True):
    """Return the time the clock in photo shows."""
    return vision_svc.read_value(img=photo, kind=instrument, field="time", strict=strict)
10:03:49
